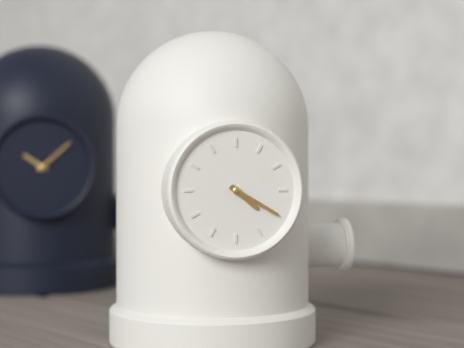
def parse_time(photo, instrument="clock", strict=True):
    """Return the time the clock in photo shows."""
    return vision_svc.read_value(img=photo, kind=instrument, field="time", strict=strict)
4:20
